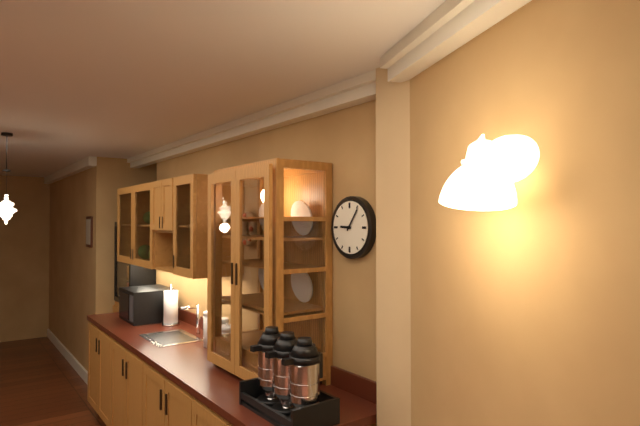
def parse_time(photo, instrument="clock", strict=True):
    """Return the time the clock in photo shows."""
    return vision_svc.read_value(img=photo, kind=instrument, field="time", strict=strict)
9:06
